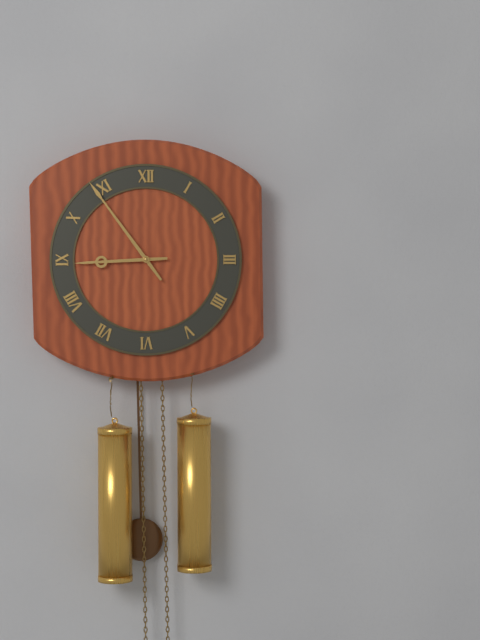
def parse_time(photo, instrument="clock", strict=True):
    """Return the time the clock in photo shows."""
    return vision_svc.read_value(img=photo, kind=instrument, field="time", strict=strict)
8:54
